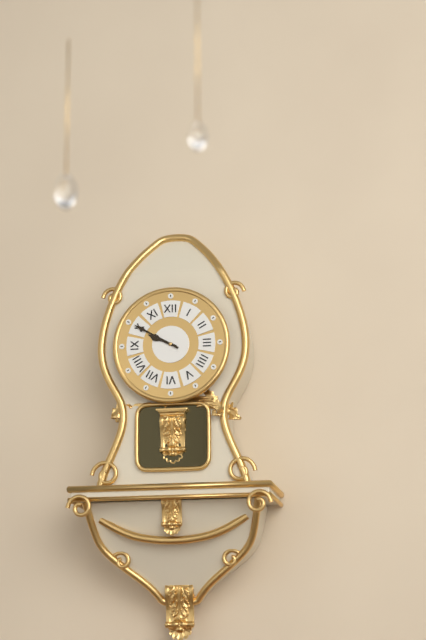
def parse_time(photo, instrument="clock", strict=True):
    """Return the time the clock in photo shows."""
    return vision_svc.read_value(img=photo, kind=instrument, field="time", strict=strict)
9:50
